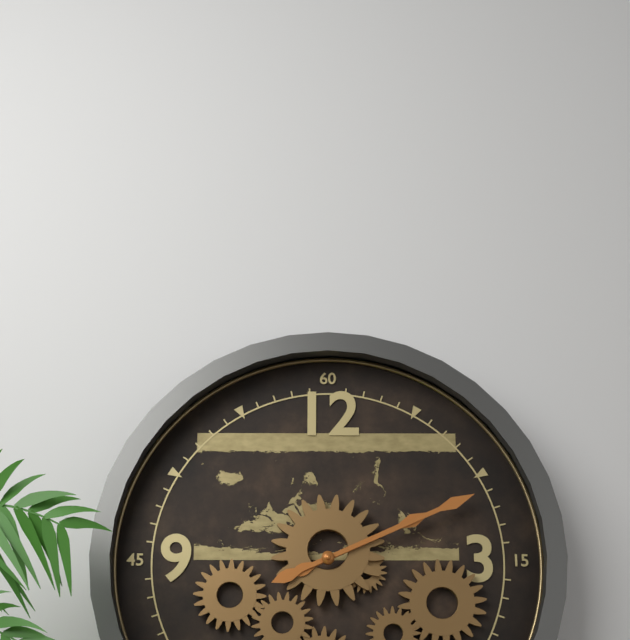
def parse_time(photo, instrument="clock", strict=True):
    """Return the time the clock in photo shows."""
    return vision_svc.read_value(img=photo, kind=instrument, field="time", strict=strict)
2:11
